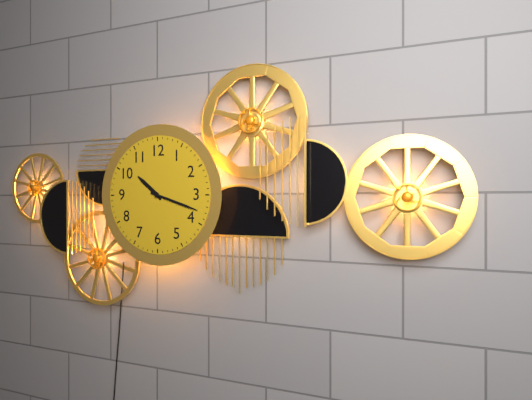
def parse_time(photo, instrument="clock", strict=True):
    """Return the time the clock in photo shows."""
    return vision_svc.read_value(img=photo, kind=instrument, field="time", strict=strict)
10:18
